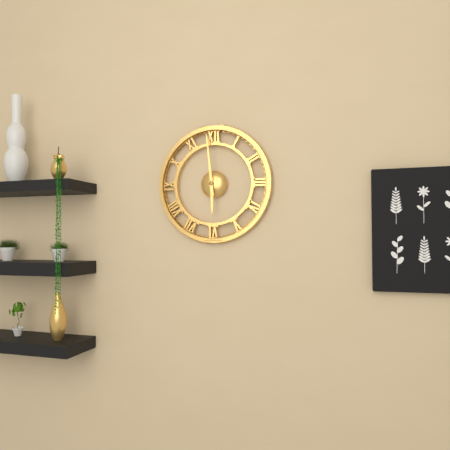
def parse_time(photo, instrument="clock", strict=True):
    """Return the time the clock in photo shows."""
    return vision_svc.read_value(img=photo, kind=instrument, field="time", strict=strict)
5:59
